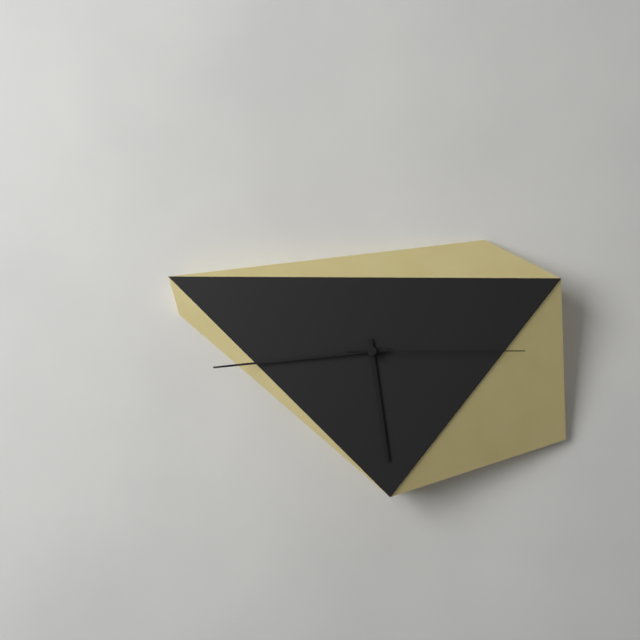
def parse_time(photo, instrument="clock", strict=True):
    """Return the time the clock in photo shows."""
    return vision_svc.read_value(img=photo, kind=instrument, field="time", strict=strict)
5:44:15
